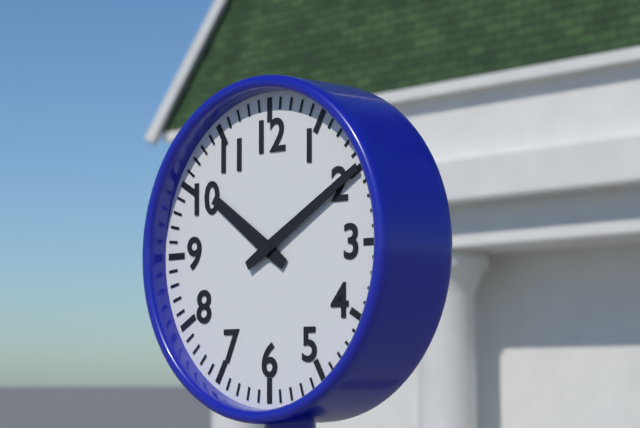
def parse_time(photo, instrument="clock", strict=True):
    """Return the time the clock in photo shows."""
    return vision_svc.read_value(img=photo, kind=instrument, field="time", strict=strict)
10:10
